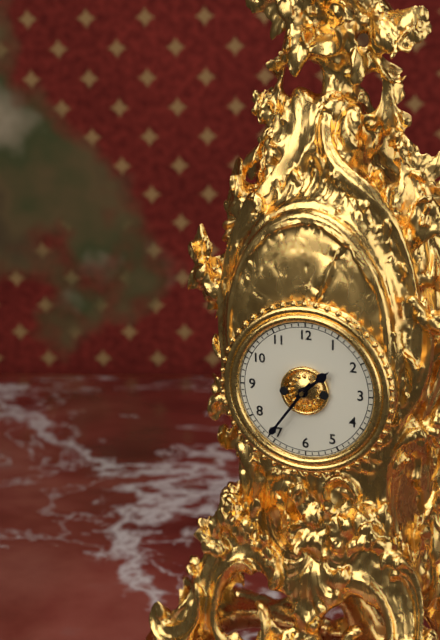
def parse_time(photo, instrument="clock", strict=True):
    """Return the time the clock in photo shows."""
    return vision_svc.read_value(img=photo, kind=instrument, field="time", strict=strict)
1:36
